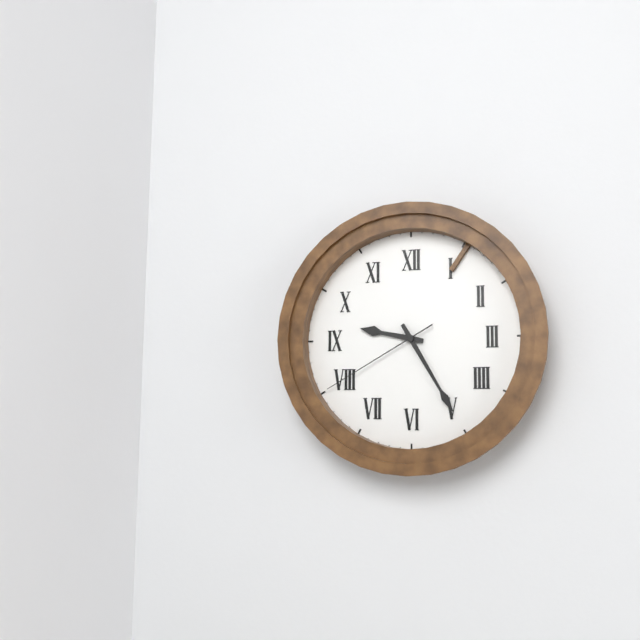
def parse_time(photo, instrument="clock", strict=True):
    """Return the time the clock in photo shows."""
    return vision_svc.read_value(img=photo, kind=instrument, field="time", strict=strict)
9:25:40
